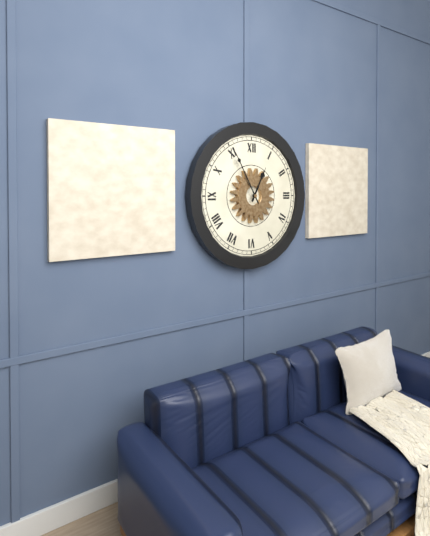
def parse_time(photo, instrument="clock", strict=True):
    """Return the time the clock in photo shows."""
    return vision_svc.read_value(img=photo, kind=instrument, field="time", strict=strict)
12:55
